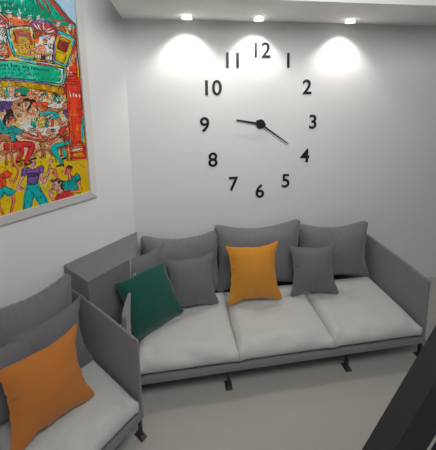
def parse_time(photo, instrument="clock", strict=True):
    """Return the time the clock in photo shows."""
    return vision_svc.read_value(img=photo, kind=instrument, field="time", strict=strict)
9:21
